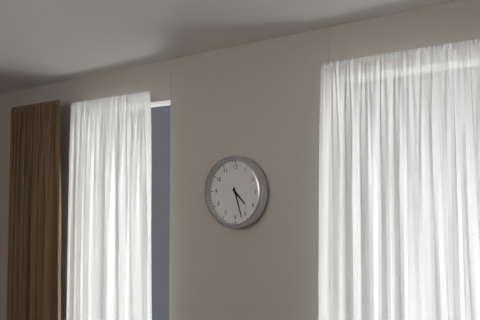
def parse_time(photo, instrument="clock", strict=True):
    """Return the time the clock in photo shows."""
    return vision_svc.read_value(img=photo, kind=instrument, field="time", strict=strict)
4:27
